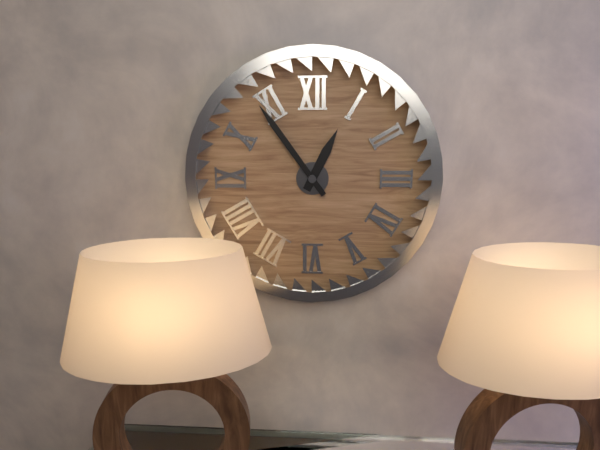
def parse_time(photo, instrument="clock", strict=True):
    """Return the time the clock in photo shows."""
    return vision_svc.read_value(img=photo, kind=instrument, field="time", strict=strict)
12:54
